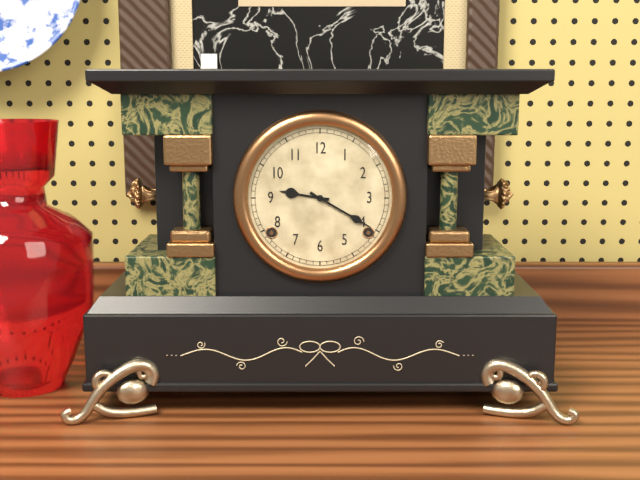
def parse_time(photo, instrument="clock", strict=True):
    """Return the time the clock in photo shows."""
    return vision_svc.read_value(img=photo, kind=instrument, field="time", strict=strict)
9:20
